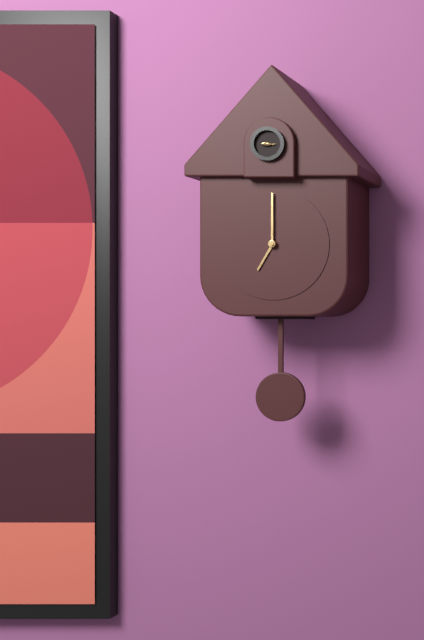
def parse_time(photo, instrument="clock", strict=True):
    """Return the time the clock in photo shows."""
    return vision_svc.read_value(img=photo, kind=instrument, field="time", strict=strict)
7:00
